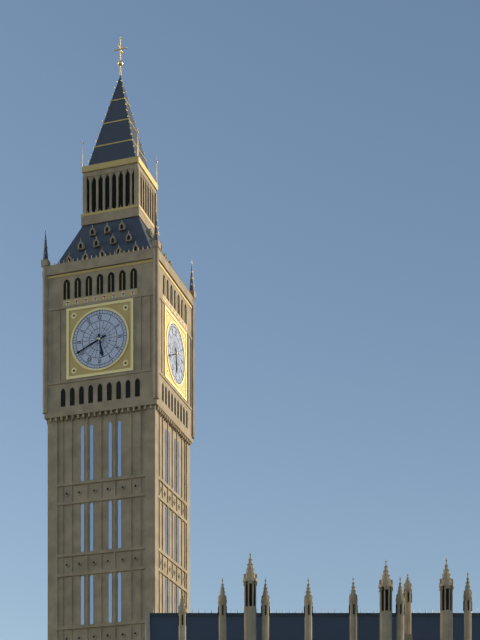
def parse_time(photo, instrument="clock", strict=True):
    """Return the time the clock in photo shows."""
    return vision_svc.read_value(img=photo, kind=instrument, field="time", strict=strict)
5:41
